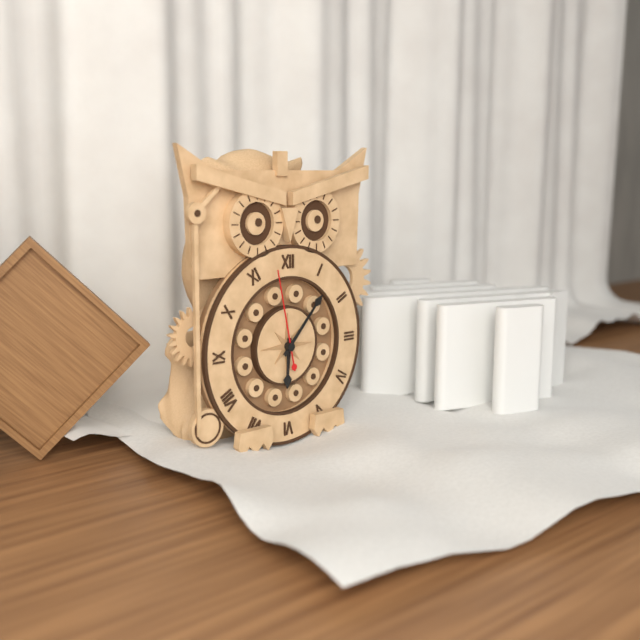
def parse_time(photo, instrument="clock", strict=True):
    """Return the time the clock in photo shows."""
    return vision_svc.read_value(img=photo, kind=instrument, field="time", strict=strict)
6:07:58
